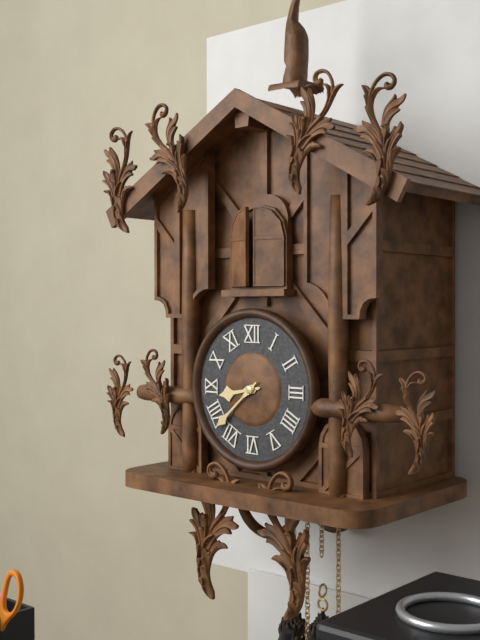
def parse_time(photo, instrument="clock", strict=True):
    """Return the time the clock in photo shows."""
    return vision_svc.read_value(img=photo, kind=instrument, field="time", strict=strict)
8:38
